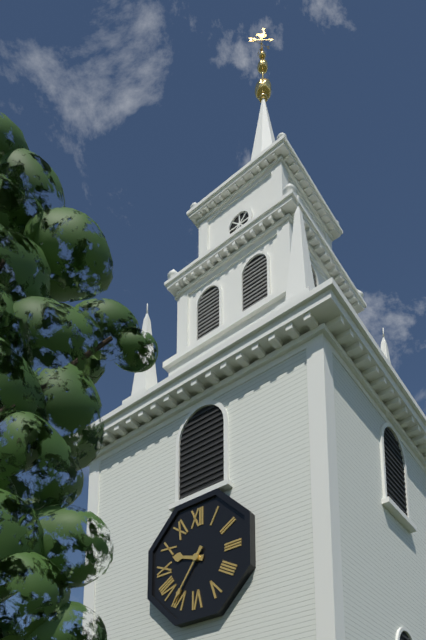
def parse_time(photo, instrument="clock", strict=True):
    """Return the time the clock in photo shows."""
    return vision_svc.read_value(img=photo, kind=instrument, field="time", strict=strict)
9:36
